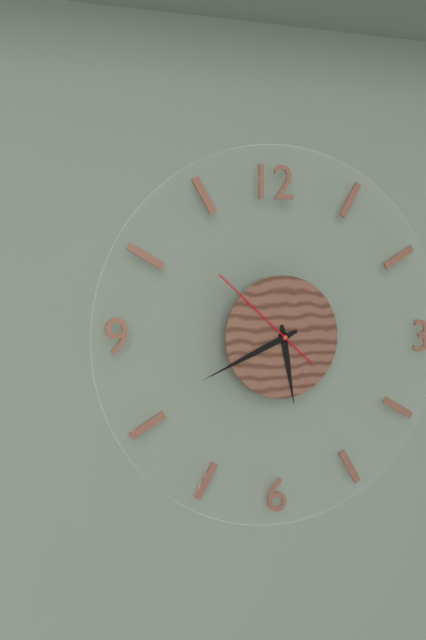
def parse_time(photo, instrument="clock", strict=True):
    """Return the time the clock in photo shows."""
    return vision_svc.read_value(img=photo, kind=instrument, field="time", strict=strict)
5:41:52
